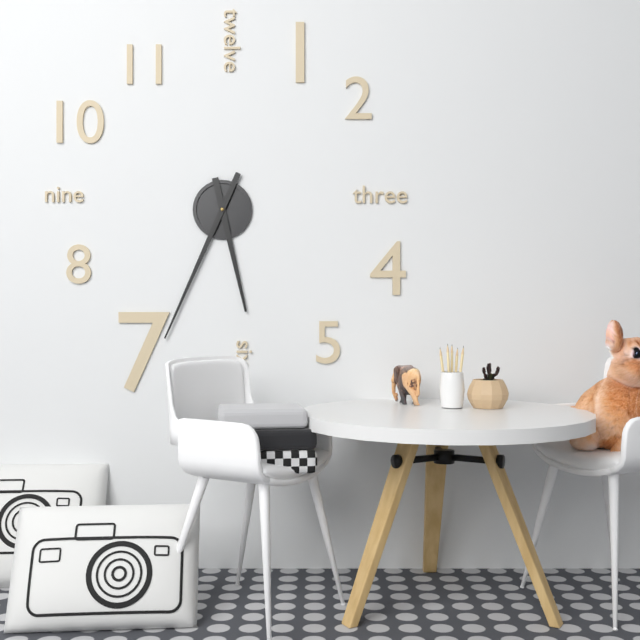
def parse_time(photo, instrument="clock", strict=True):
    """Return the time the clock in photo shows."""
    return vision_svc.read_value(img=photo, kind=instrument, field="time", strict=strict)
5:34
